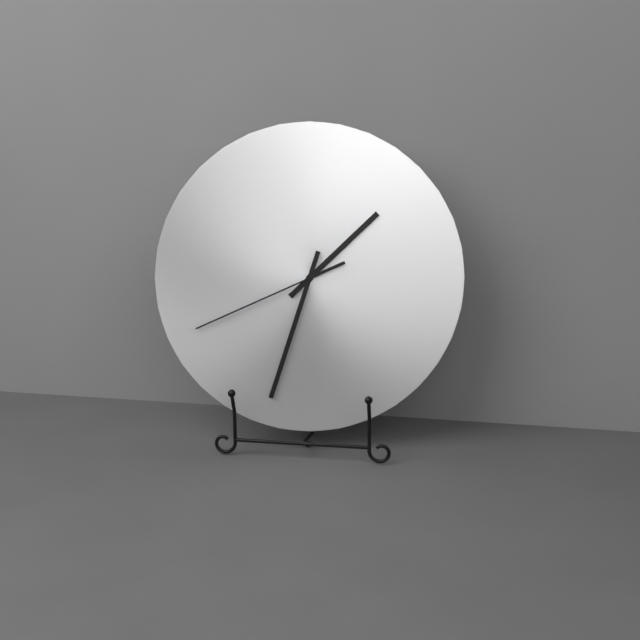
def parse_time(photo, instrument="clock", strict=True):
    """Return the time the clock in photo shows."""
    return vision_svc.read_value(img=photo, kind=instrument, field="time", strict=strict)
1:33:41
